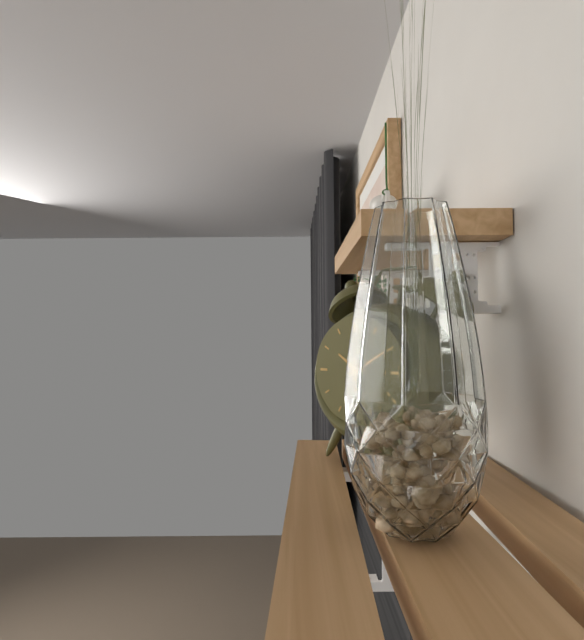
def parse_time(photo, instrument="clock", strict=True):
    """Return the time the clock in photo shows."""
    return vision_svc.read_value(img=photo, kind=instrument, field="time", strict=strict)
10:10:30
